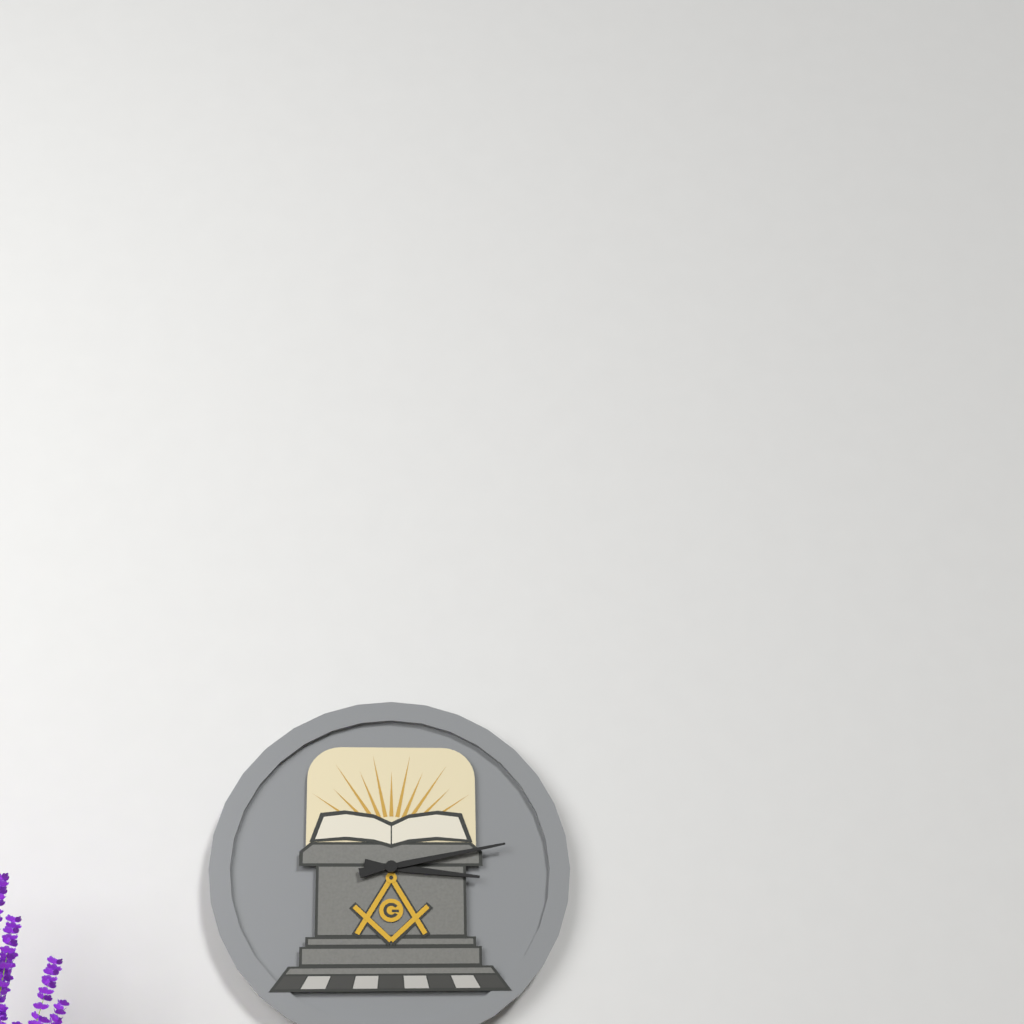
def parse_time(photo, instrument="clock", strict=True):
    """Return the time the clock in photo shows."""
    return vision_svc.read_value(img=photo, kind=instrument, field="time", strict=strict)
3:13
